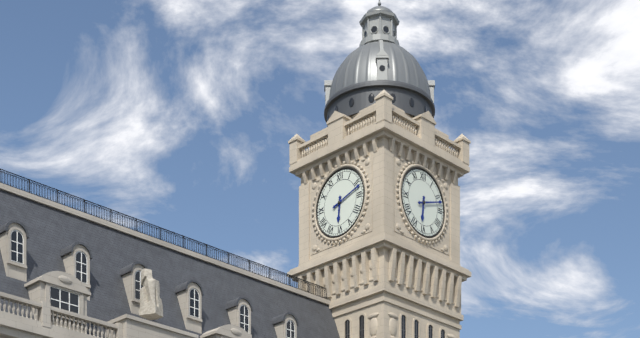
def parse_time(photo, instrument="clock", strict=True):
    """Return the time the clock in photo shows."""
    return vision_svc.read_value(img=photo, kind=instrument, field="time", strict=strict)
6:12
